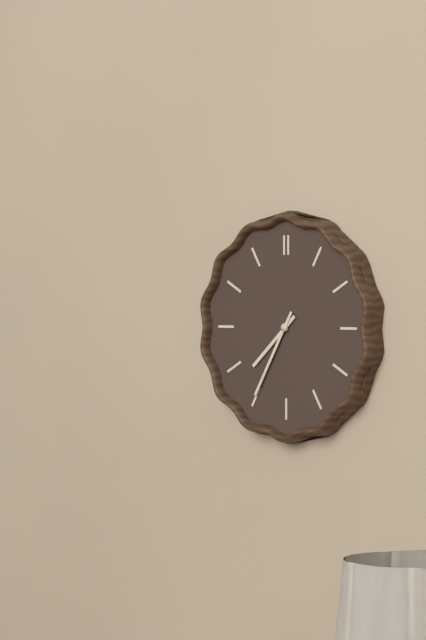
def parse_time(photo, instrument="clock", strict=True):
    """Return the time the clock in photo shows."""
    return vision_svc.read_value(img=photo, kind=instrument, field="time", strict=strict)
7:35
